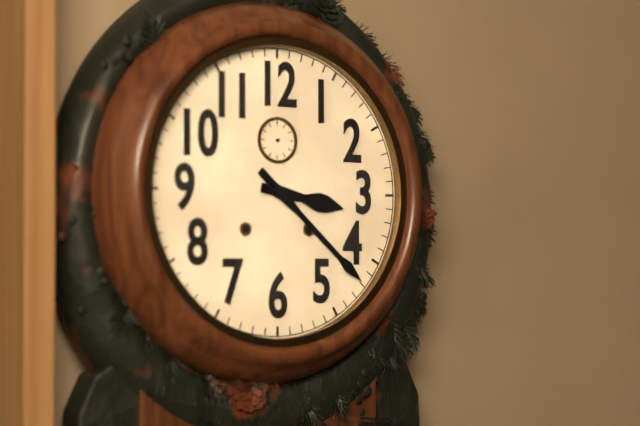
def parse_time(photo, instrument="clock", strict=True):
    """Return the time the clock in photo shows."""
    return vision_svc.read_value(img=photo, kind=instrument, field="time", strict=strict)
3:22
